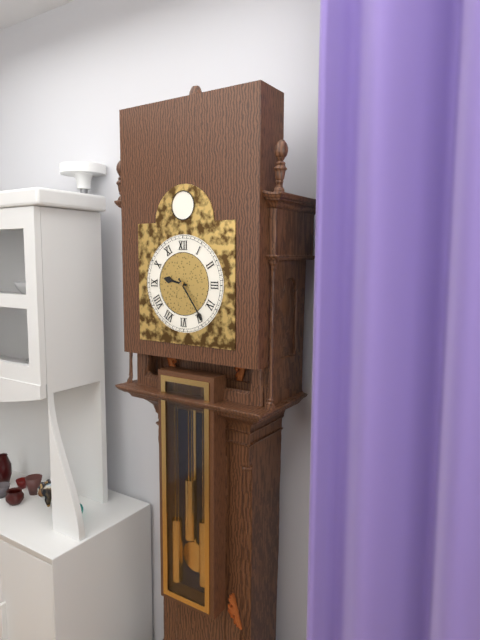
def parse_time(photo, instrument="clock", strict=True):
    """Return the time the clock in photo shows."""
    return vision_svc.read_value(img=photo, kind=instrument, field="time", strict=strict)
9:24
